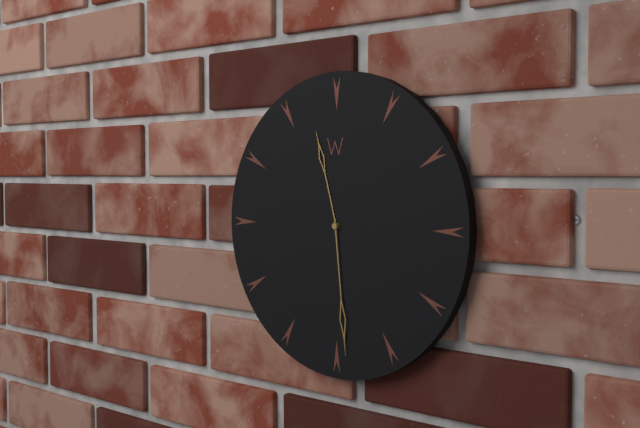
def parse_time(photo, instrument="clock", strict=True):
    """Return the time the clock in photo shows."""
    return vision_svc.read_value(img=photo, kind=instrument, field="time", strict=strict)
11:29
